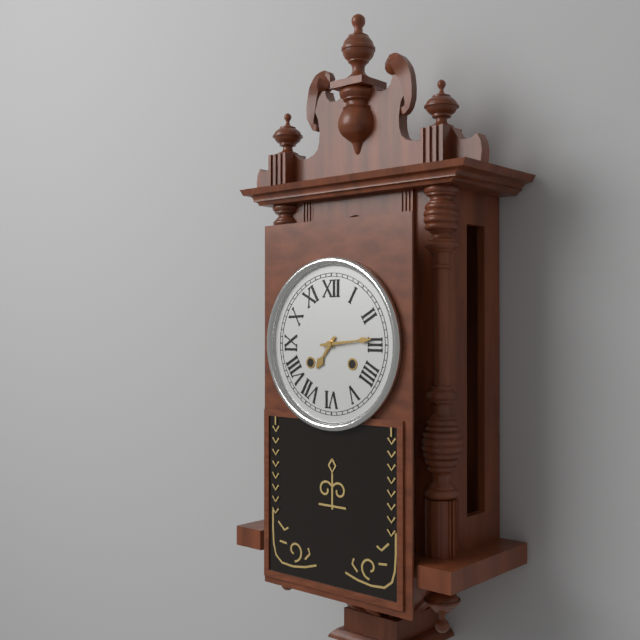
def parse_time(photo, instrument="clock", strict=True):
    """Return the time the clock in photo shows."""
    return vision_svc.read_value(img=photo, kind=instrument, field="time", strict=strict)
7:14
